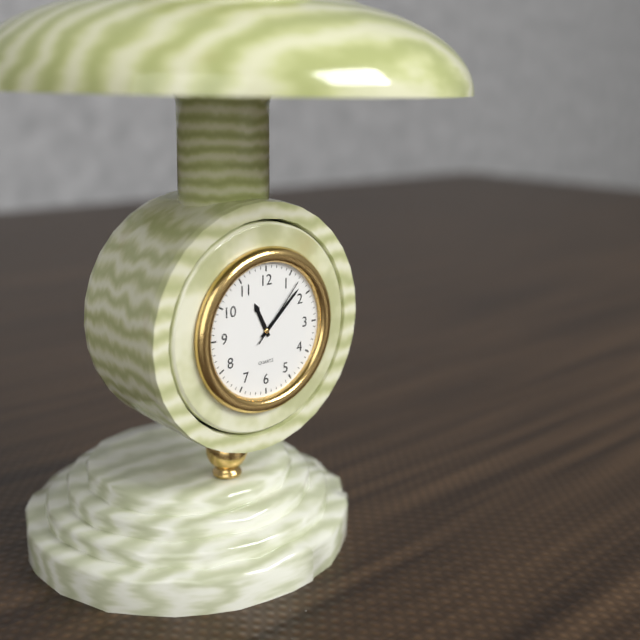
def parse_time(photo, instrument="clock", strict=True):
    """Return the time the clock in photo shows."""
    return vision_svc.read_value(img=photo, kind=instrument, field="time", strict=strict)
11:08:07
